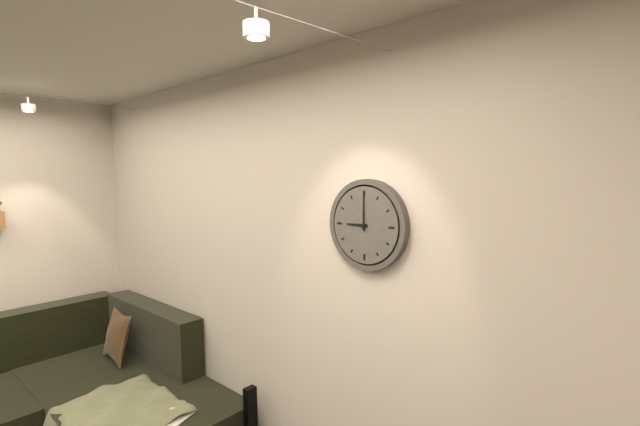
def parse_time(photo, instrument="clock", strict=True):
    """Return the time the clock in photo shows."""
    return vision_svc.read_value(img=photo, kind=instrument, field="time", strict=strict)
9:00
